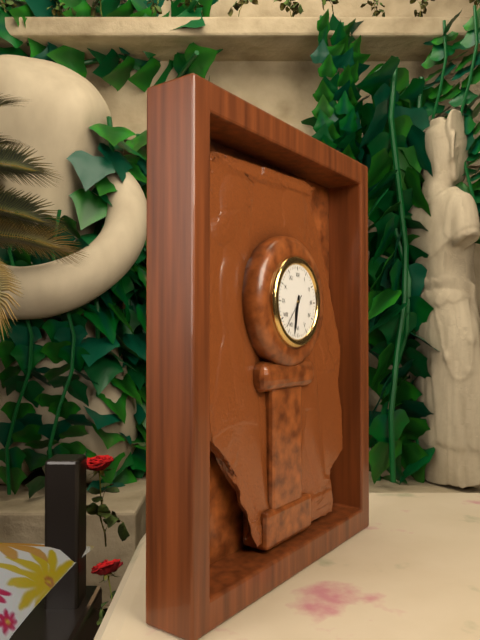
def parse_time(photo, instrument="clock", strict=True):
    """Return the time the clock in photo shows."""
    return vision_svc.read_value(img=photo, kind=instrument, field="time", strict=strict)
6:32
